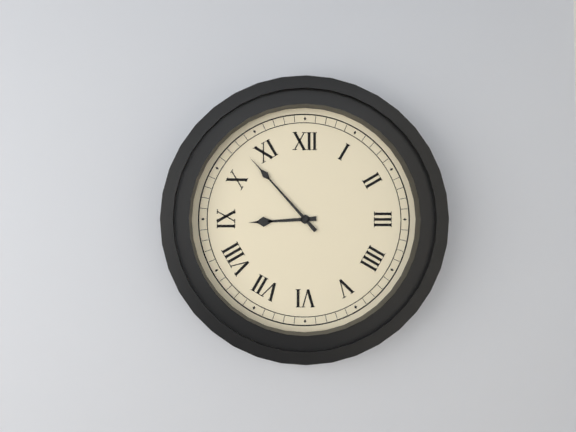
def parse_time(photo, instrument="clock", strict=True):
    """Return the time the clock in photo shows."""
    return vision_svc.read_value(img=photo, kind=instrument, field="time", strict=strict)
8:53
